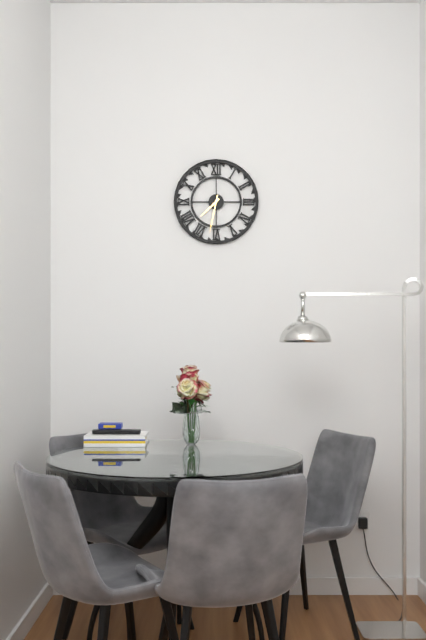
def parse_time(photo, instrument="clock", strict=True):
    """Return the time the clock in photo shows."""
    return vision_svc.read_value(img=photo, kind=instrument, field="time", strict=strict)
7:32
